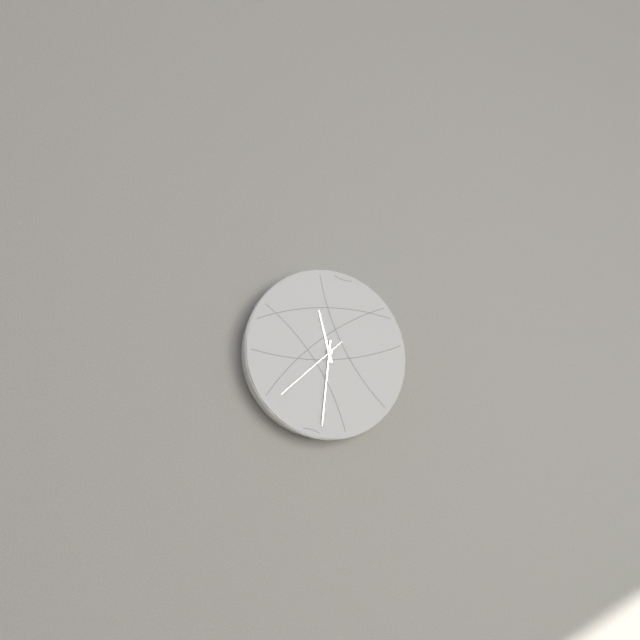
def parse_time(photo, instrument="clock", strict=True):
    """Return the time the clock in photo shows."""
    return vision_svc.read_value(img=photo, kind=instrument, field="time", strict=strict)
11:31:38
